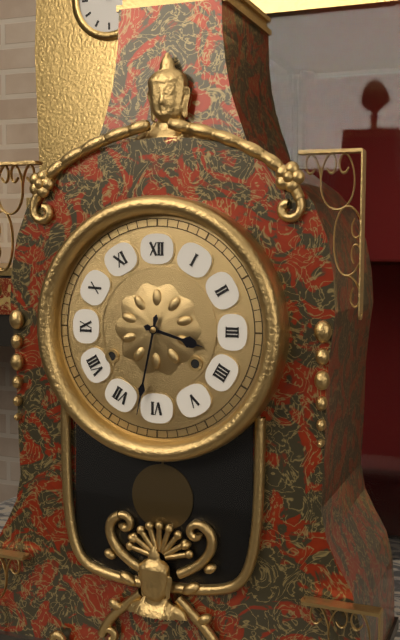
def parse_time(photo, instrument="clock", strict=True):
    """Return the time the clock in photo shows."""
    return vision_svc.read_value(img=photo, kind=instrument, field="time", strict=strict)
3:32
